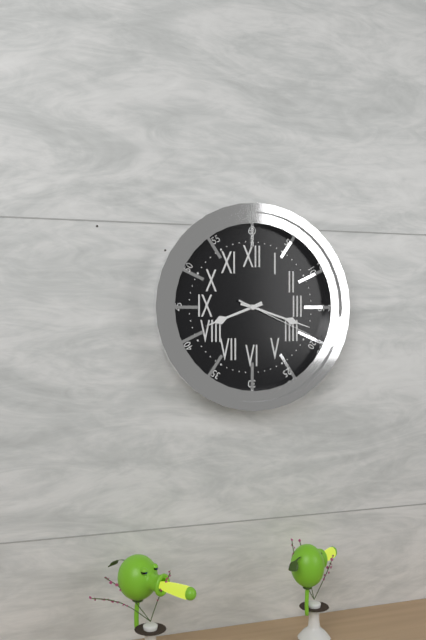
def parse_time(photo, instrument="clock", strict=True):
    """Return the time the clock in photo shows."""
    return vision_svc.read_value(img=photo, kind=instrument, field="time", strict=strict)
8:18:19
